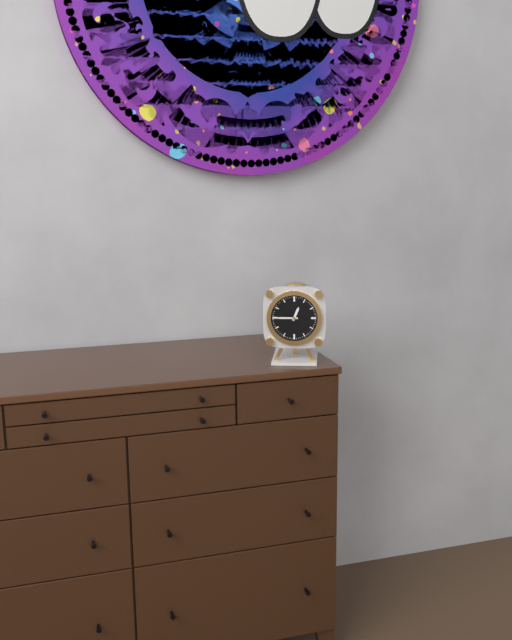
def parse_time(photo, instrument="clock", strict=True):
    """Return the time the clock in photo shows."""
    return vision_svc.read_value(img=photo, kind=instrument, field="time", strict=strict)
12:45
